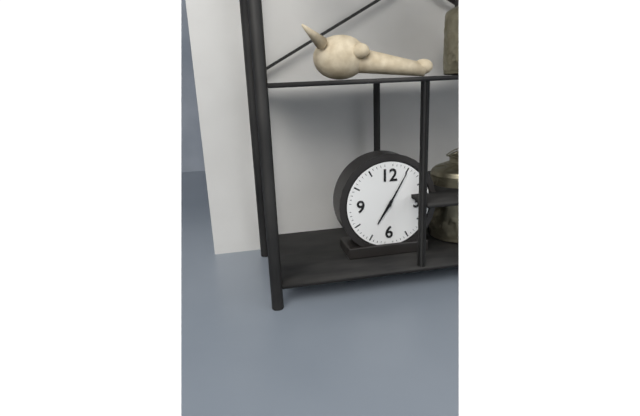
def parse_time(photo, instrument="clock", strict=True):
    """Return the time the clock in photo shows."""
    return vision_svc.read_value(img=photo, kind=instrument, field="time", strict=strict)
7:05
